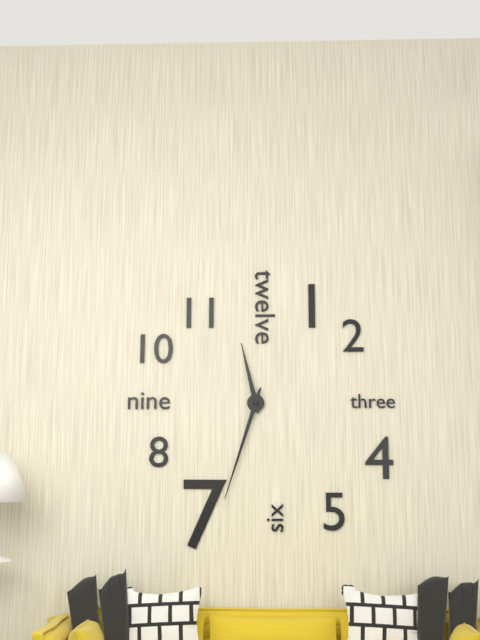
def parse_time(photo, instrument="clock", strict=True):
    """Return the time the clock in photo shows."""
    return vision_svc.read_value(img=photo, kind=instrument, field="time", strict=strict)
11:33
